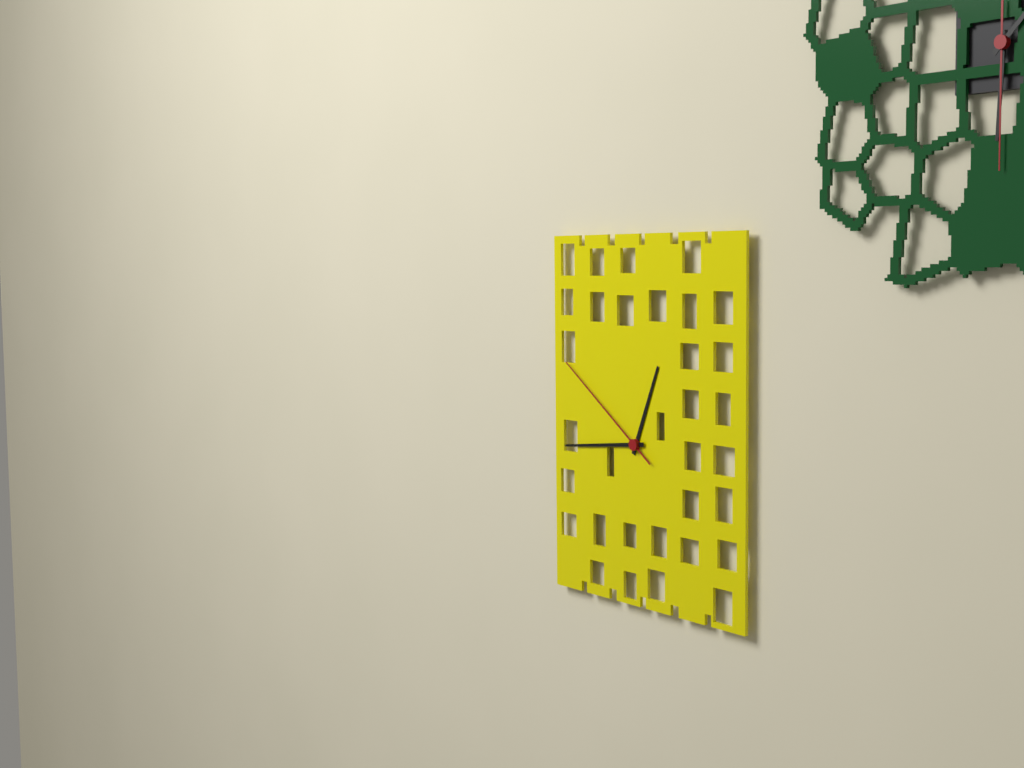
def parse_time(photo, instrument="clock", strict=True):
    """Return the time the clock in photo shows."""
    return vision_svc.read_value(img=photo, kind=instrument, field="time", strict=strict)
12:44:51
